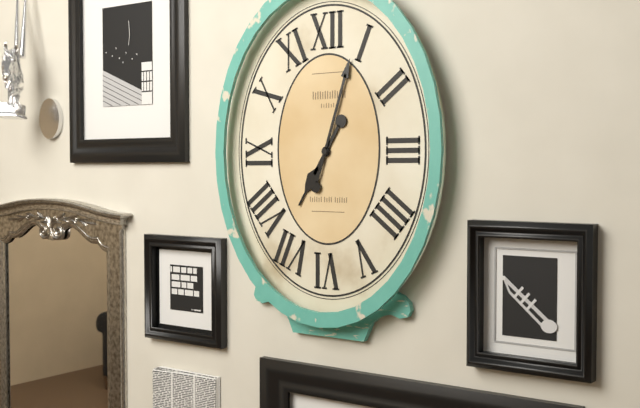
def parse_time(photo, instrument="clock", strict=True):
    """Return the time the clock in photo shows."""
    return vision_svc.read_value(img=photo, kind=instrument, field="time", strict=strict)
7:03
